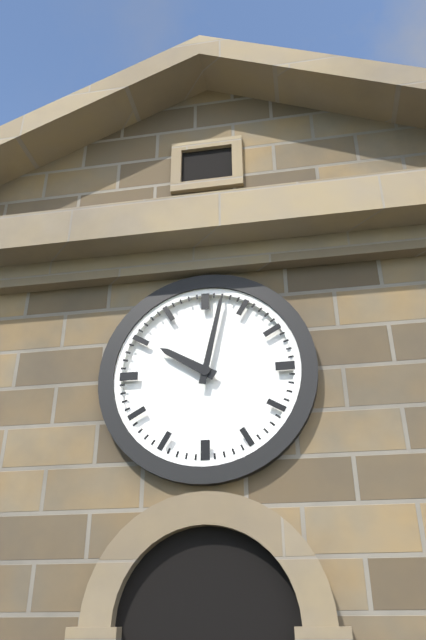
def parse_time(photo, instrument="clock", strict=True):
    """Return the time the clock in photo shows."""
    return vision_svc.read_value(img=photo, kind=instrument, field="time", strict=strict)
10:02
